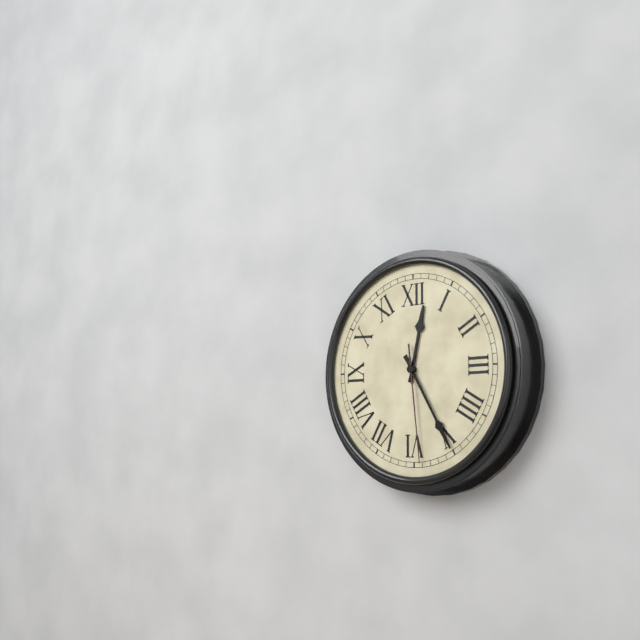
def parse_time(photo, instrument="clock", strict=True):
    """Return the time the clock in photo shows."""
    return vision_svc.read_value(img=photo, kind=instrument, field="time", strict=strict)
12:25:29
